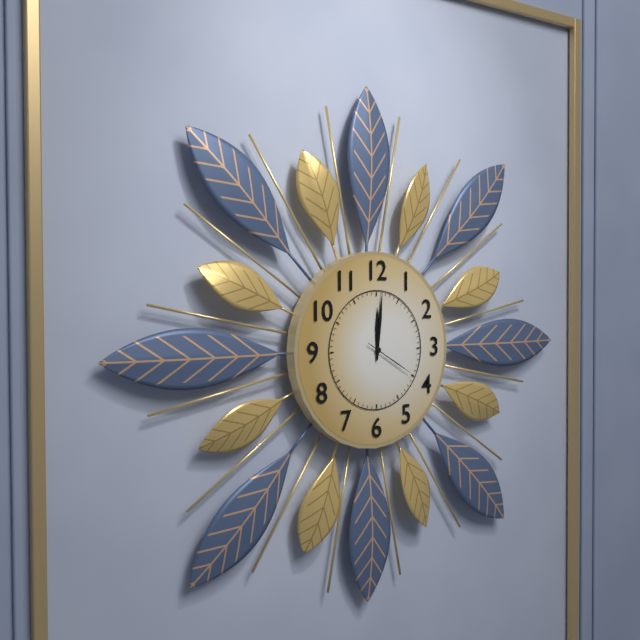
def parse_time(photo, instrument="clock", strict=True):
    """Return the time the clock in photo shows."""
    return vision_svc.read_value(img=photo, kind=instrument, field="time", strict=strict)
12:01:20
